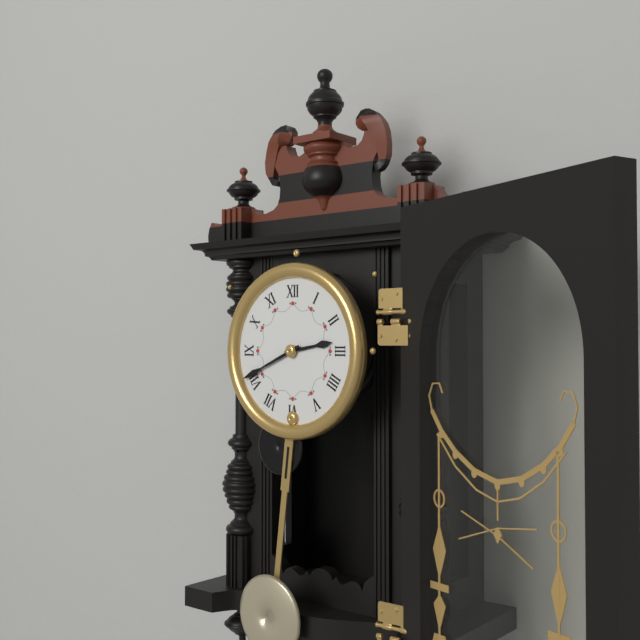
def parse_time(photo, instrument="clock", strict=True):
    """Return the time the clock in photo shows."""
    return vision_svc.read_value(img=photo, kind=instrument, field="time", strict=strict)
2:41
